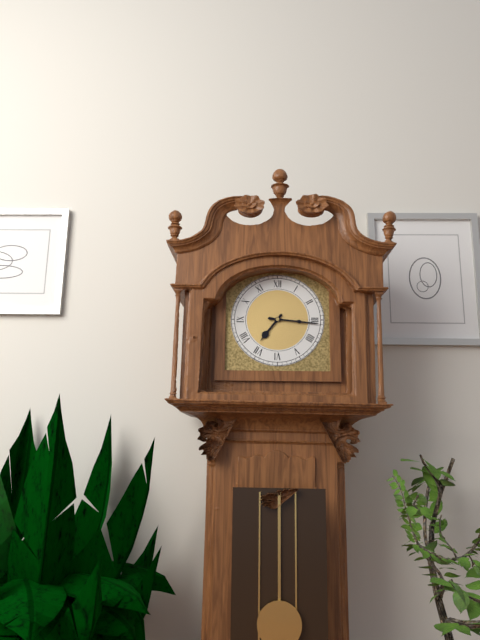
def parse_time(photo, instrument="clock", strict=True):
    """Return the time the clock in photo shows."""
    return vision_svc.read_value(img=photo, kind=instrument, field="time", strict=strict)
7:16
